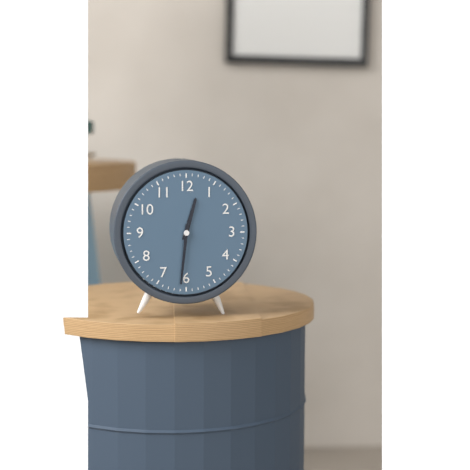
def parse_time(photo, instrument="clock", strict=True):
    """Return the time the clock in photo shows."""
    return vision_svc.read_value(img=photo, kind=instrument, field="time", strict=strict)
12:31
